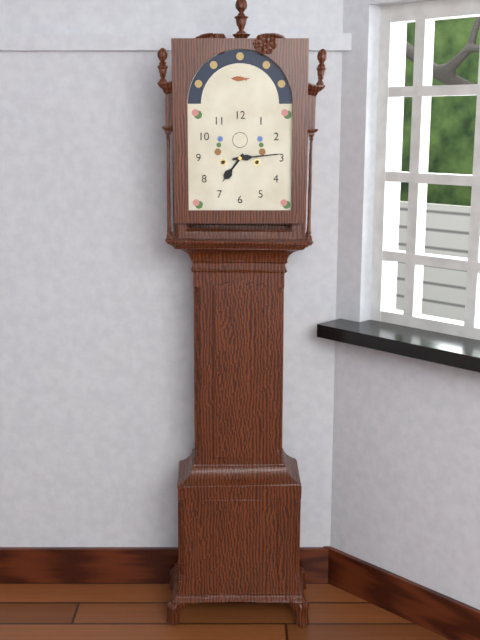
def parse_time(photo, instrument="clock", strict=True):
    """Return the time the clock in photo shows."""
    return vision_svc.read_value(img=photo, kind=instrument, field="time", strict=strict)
7:14
